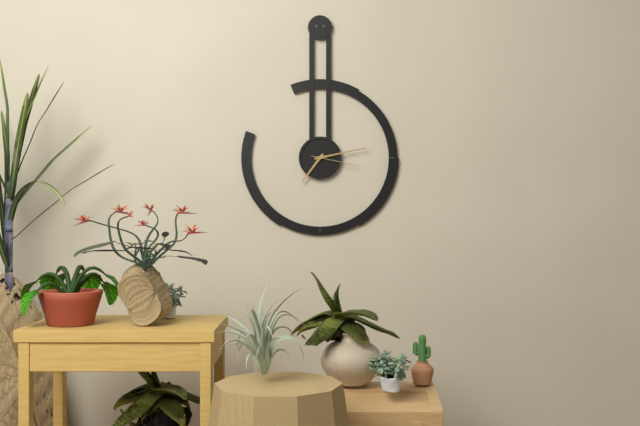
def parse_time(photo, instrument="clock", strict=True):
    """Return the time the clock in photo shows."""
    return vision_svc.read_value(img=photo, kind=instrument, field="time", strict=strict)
7:13
